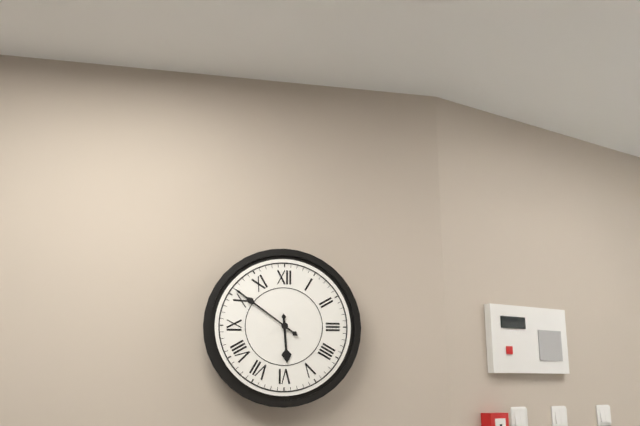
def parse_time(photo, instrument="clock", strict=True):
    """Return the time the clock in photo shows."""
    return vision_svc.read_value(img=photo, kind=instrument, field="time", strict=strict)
5:51
